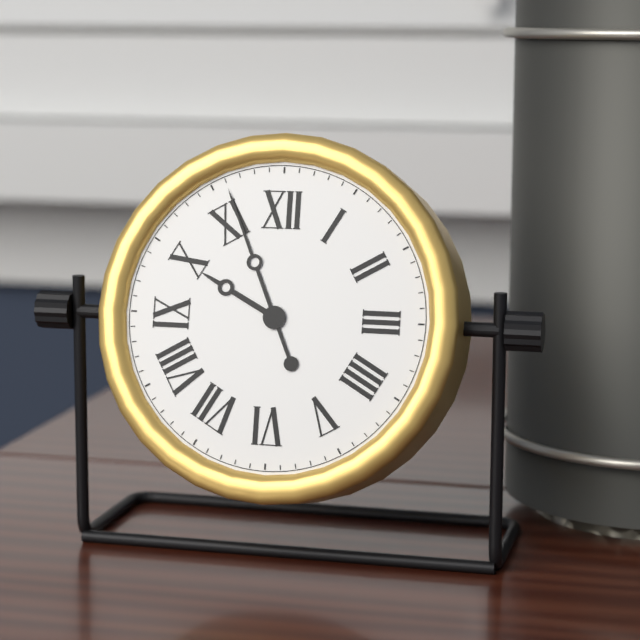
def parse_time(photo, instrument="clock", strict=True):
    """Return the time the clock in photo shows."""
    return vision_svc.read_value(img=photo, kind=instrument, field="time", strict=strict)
9:56
